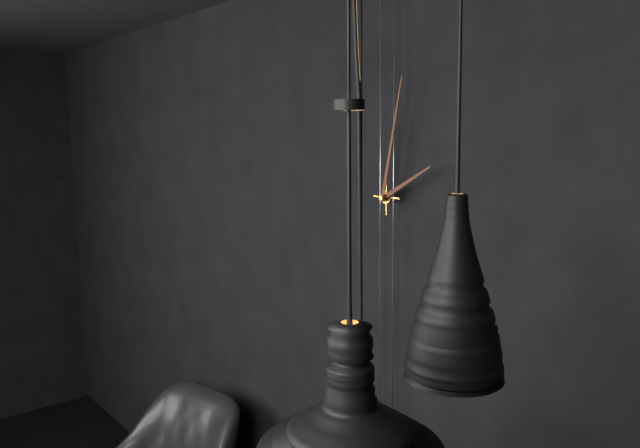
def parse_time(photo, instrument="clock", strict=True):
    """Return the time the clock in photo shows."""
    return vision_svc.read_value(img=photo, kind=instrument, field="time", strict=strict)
2:02
